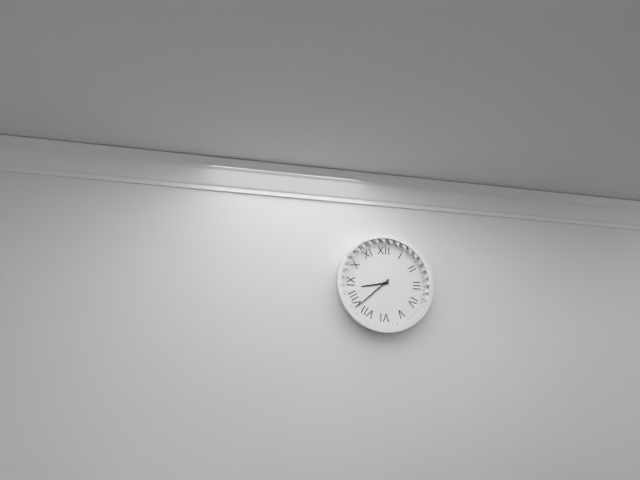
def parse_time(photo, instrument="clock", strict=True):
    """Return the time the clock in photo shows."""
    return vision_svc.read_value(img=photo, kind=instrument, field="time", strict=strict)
8:38
